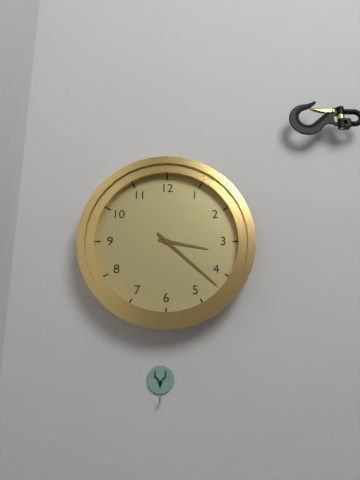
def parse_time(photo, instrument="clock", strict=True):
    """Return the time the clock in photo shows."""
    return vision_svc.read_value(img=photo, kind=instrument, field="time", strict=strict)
3:22
